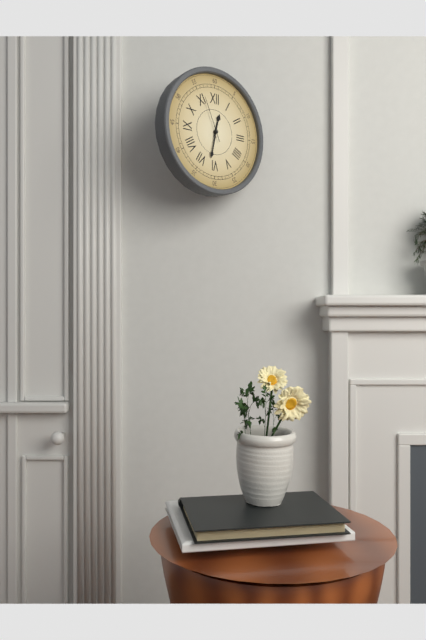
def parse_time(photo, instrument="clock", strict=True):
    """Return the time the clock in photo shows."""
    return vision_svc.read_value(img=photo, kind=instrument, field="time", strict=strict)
12:32
